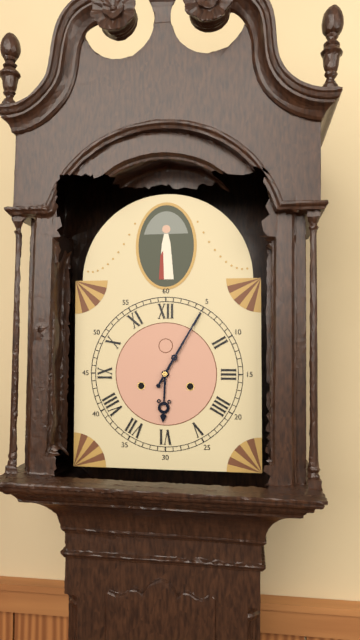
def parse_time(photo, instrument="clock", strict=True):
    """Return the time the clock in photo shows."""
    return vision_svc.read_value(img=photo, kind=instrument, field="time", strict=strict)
6:05
